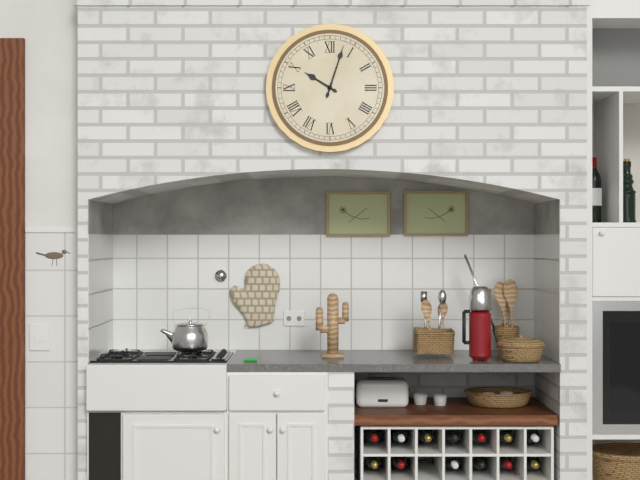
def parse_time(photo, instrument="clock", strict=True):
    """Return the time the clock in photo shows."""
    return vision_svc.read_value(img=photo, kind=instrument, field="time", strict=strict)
10:03
